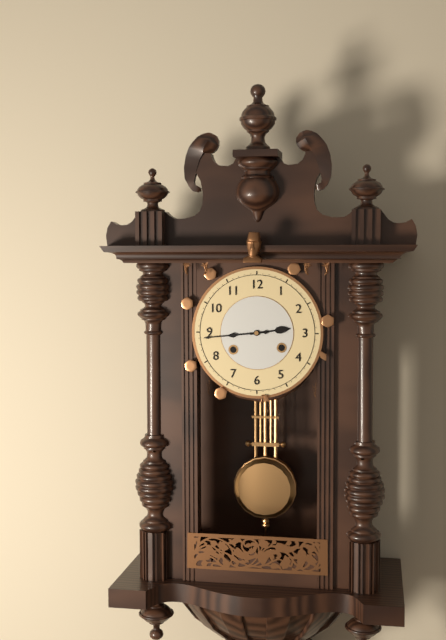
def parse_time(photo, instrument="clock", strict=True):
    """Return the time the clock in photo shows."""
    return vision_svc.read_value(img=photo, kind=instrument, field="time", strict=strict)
2:44
